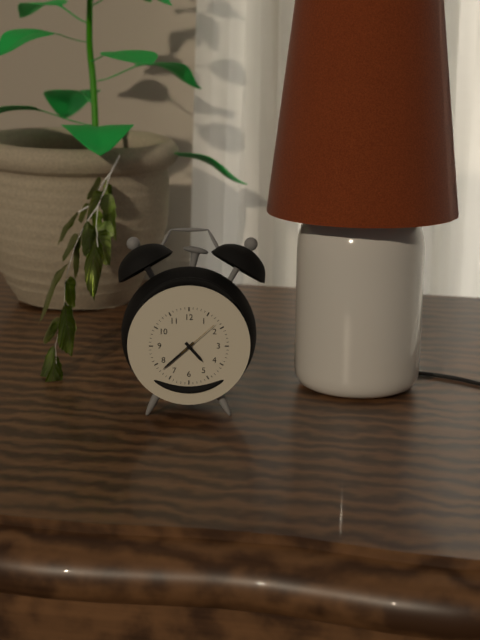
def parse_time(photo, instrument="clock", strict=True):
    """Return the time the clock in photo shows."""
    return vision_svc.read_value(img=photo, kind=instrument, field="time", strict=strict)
4:38
